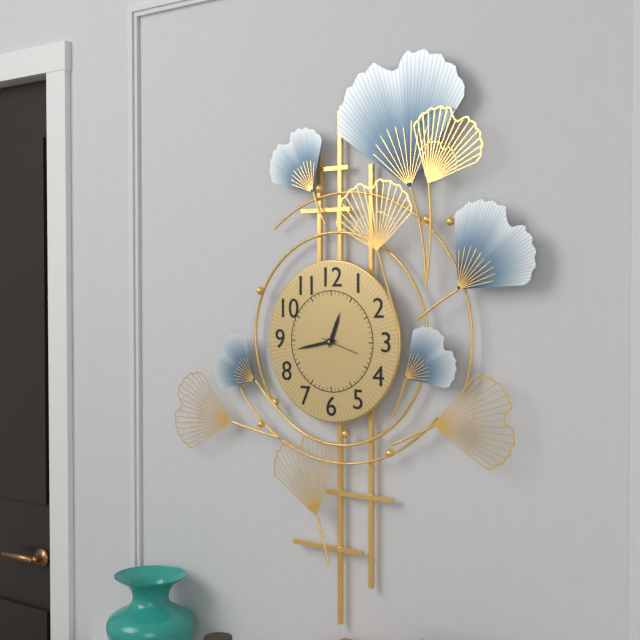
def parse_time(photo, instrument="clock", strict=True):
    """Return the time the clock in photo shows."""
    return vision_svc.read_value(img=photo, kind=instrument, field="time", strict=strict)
12:43
